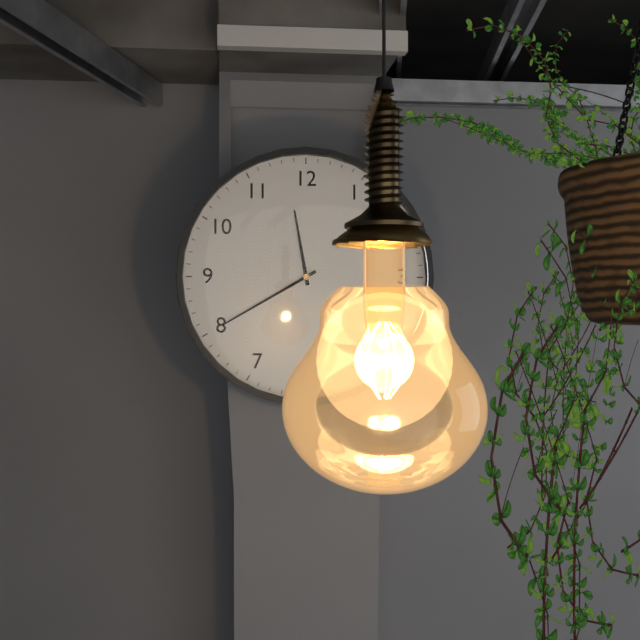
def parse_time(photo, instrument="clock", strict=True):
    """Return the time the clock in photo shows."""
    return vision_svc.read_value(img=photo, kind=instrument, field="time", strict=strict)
11:40
